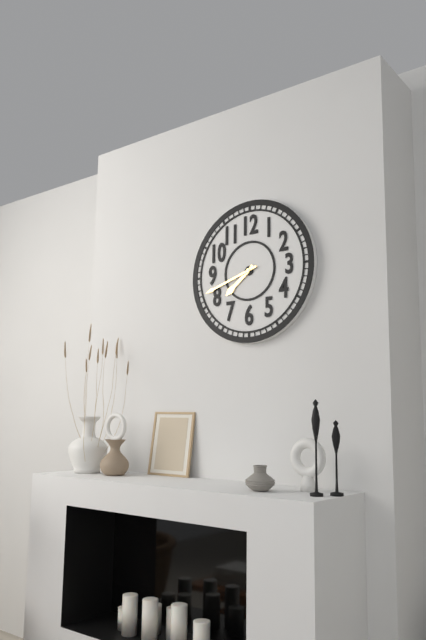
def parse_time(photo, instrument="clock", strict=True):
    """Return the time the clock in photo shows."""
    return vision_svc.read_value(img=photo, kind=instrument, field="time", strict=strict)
7:42
